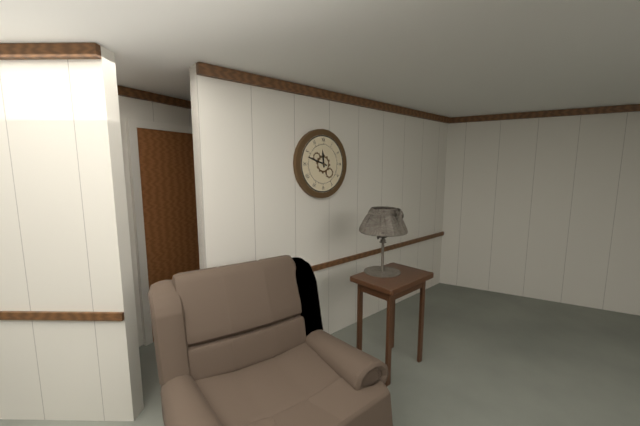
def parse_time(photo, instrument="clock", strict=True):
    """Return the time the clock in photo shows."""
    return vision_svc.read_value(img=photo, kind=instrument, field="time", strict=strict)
11:48
